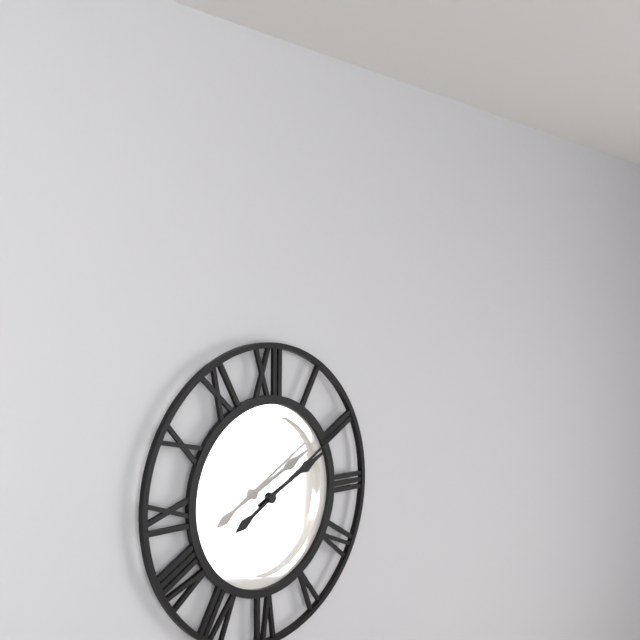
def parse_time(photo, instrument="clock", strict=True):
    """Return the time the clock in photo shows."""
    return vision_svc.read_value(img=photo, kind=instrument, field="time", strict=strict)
2:10
